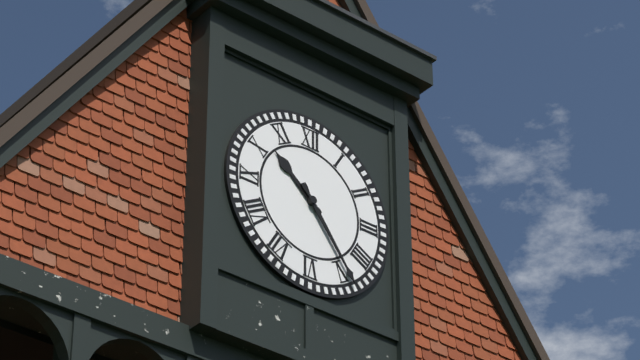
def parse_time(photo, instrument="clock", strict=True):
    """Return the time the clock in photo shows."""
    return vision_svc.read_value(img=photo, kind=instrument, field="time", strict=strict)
10:24
